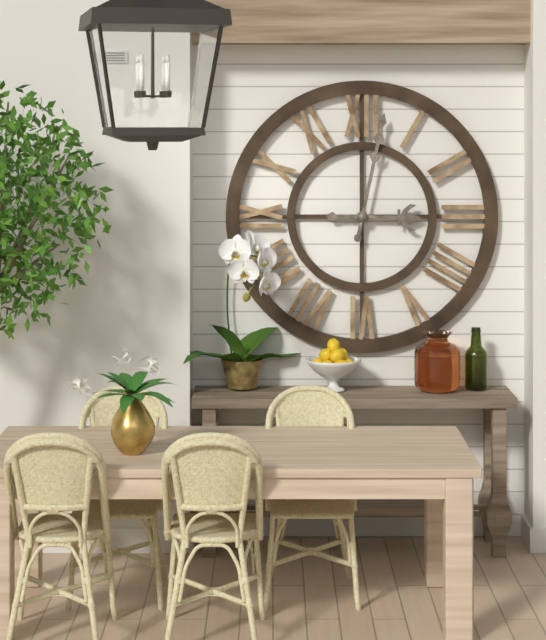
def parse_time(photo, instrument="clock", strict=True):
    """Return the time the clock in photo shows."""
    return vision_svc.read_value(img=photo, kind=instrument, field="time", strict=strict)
3:02
